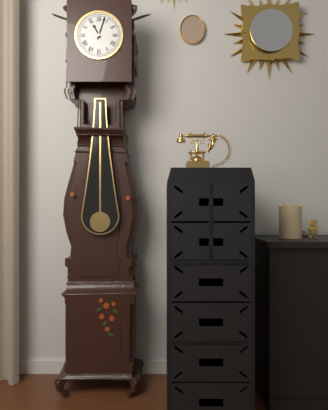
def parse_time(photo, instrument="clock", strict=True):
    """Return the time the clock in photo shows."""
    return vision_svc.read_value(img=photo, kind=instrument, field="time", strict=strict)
11:03
